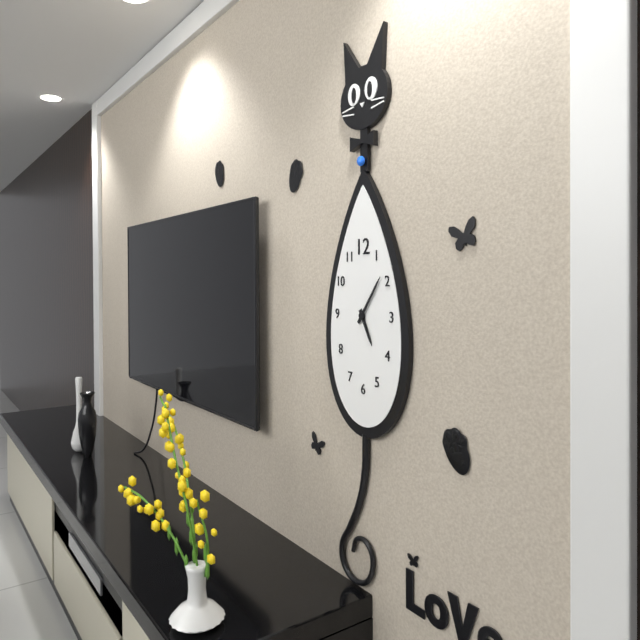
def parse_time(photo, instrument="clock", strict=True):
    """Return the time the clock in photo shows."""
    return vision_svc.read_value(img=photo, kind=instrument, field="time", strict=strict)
5:06
